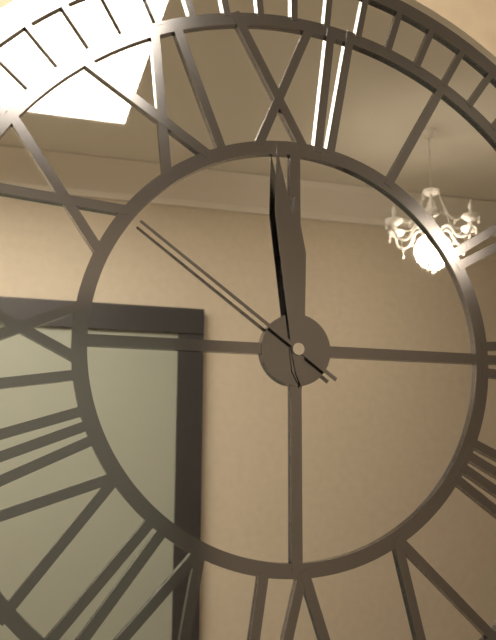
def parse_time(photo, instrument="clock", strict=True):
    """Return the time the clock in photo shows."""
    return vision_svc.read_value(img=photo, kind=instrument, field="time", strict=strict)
11:59:51
